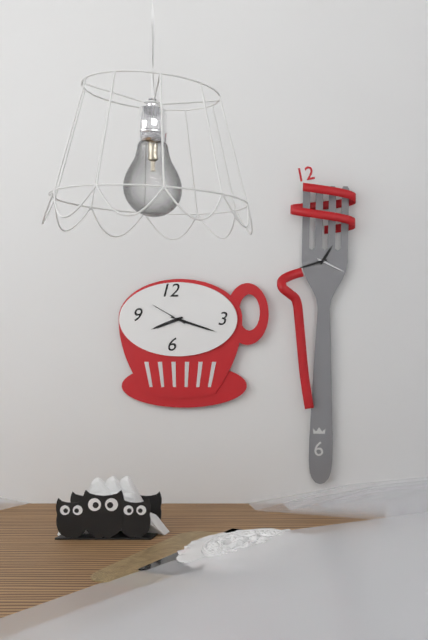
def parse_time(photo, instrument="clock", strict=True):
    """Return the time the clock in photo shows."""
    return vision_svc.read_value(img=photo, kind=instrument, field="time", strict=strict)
8:18
